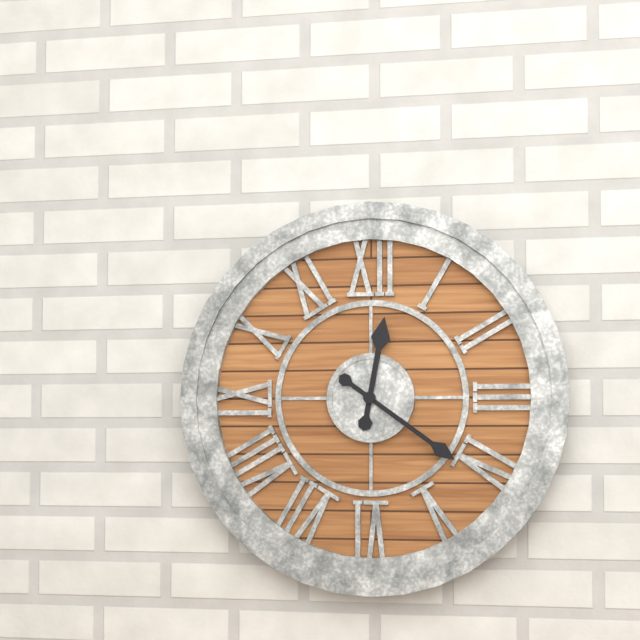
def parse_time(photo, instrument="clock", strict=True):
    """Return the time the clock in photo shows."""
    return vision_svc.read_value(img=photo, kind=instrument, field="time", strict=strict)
12:21
